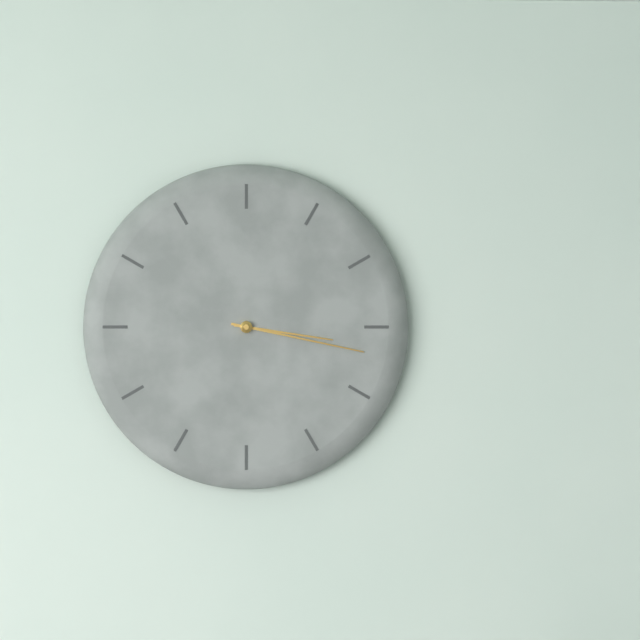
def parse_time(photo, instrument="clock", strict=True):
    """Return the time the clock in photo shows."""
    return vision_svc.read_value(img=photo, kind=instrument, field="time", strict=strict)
3:17
